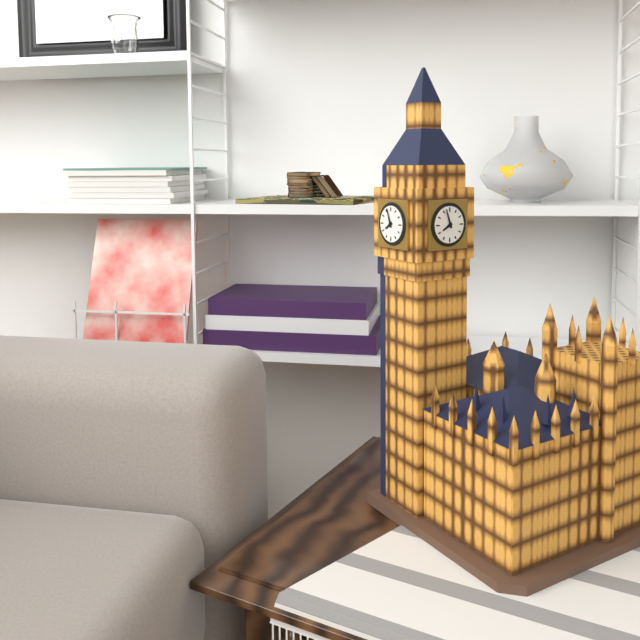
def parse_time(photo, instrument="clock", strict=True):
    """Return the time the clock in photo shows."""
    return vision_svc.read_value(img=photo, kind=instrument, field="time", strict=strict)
7:57
